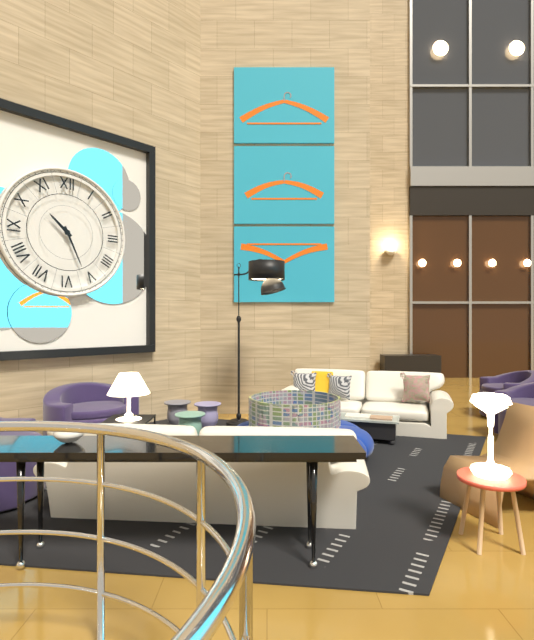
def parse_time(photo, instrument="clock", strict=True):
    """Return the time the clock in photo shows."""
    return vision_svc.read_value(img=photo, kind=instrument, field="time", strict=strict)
10:26
